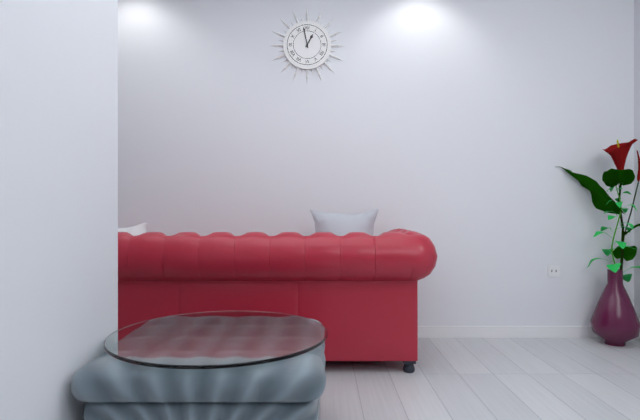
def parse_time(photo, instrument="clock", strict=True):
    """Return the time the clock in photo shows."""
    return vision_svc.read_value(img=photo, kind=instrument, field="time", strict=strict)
12:58
